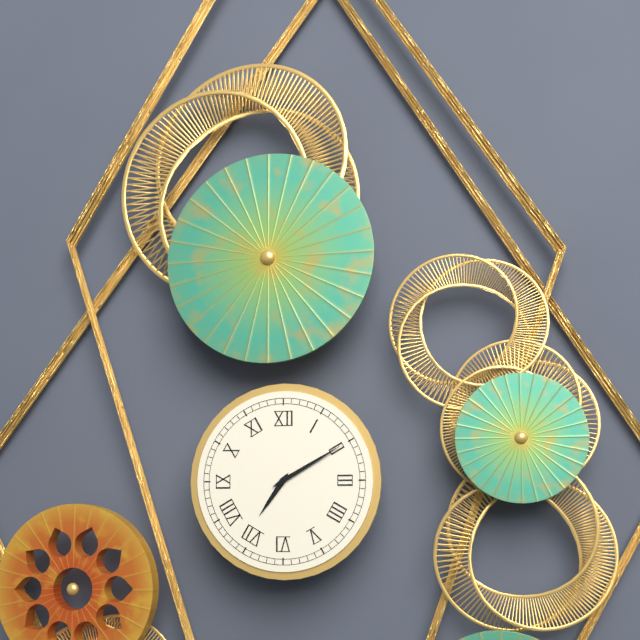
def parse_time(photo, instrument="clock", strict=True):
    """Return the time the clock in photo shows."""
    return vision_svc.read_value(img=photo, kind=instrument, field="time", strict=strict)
7:10
